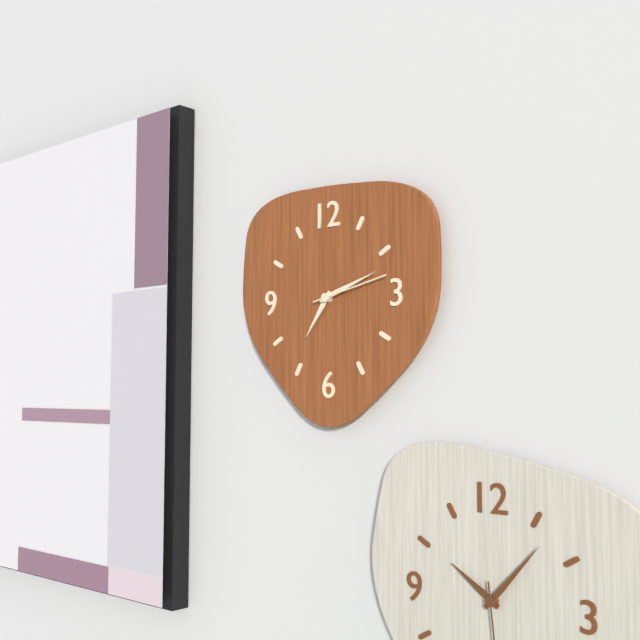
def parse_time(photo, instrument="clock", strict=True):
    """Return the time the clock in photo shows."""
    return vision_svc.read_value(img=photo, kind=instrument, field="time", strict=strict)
7:12:13
